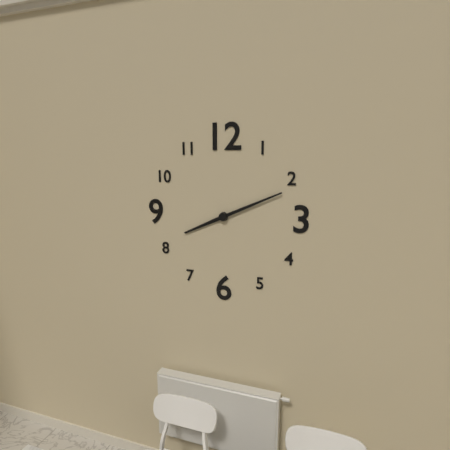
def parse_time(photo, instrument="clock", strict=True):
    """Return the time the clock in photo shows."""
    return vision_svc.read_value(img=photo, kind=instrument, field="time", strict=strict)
8:11
